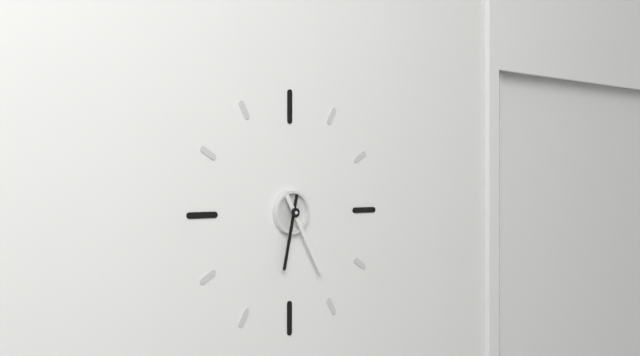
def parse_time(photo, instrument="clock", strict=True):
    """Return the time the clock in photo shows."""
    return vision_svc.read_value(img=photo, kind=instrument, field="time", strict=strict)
6:25
